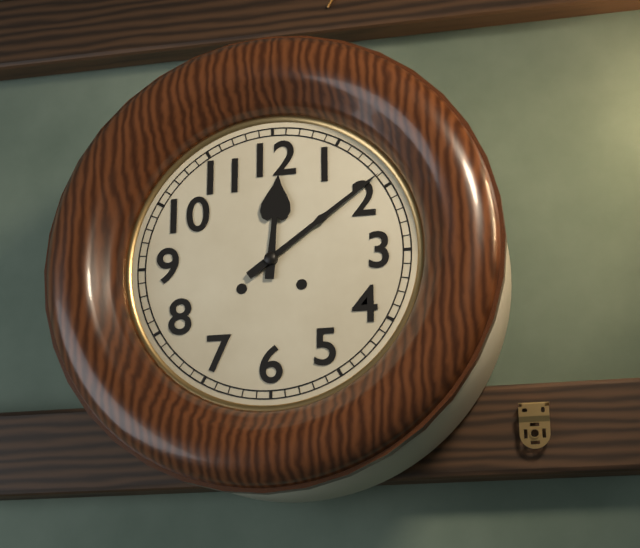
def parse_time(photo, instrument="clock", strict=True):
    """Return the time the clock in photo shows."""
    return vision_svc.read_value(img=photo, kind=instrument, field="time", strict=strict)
12:09
